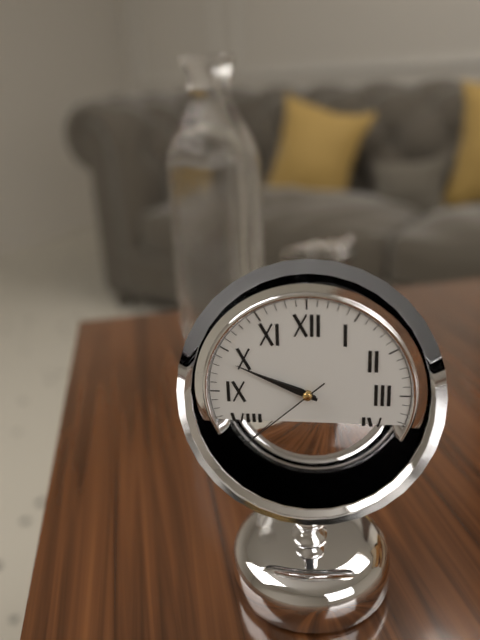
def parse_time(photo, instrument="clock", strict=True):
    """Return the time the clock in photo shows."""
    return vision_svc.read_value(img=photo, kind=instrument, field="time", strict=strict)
9:49:38
